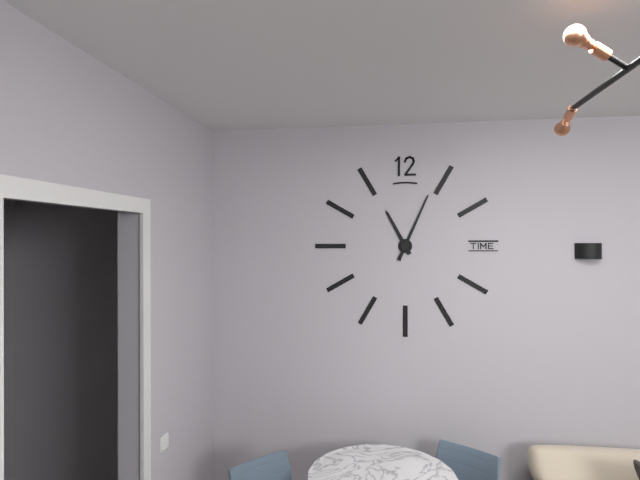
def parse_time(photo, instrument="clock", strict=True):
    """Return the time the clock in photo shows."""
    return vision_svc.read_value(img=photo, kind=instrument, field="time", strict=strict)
11:04
